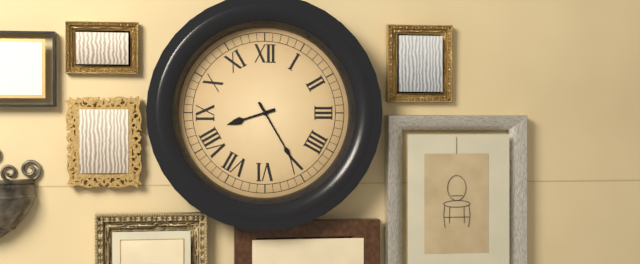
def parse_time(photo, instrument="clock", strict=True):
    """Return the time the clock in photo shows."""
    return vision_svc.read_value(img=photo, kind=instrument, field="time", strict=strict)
8:25
